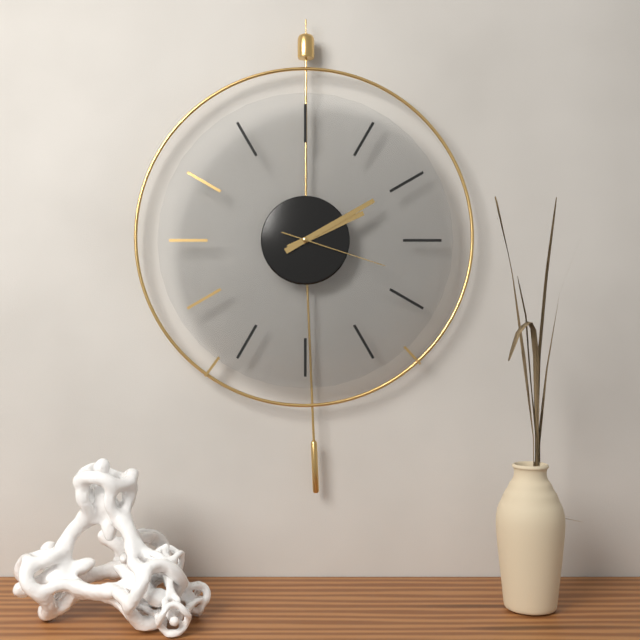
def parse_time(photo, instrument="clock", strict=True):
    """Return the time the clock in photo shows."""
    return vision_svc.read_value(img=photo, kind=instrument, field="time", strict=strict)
2:10:18
